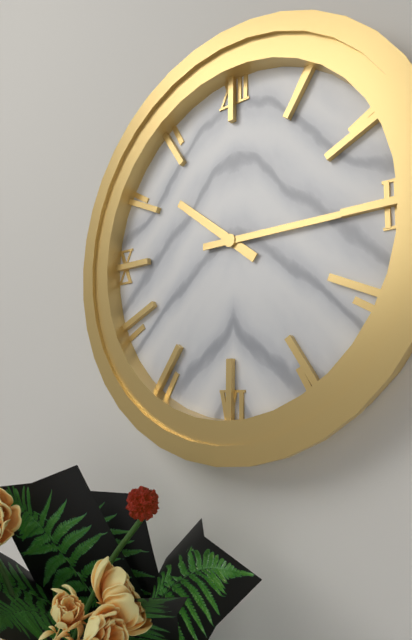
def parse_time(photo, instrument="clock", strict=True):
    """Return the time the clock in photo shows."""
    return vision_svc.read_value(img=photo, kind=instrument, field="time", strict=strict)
10:15
